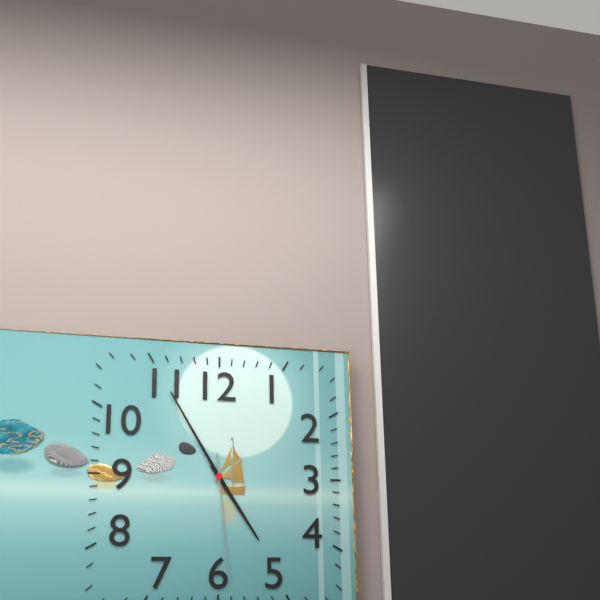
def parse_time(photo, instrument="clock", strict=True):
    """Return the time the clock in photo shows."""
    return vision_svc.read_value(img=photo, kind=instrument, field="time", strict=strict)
4:55:29
